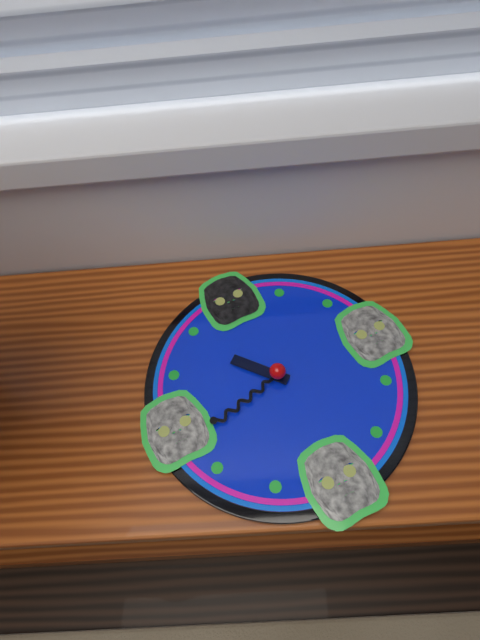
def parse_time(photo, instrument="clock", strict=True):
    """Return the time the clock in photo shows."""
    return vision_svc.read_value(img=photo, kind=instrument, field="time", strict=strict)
10:43
